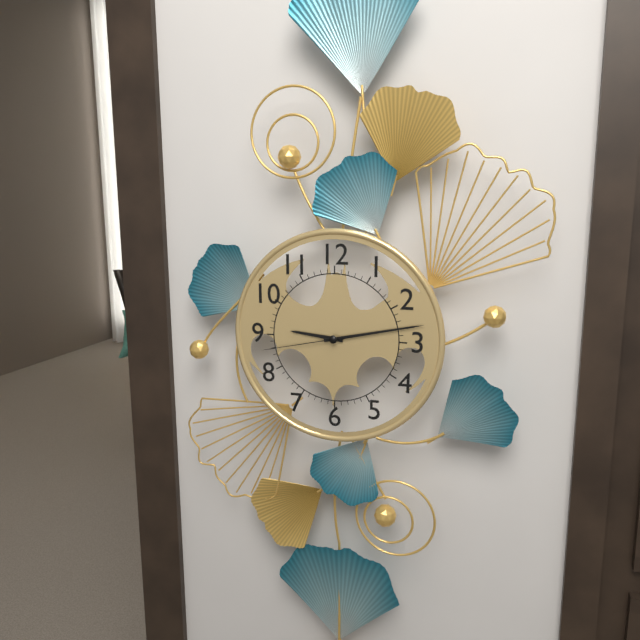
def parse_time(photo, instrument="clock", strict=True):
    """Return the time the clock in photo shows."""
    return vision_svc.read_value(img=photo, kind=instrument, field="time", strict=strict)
9:13:43
